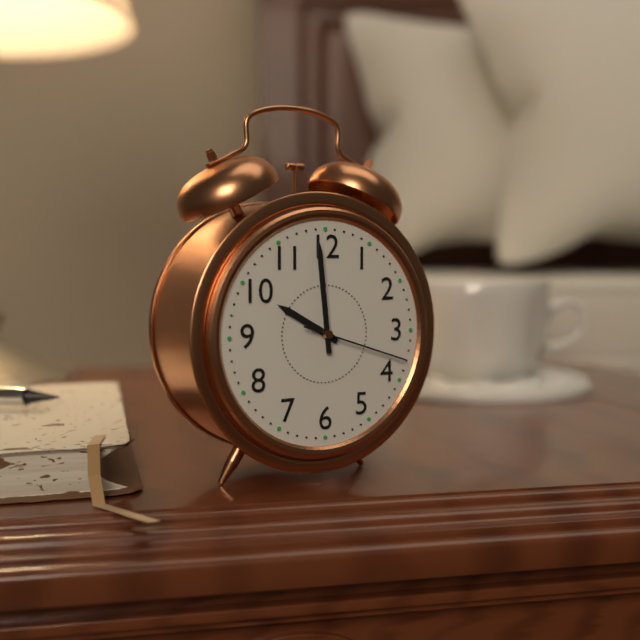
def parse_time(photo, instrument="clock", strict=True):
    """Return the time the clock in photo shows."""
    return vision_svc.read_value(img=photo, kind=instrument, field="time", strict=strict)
9:59:18
